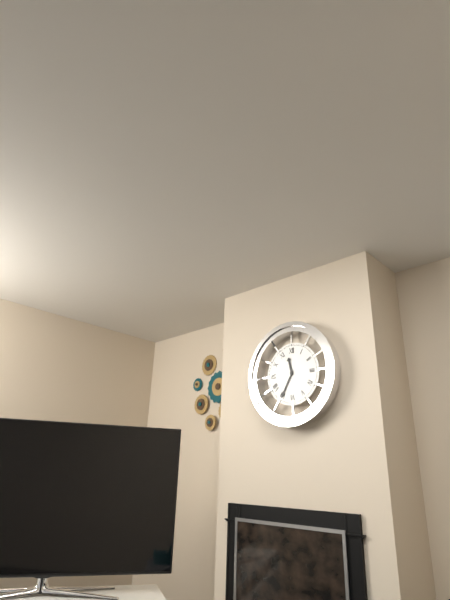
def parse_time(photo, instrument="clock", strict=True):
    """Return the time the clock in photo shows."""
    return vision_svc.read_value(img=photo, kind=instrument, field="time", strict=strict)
11:35
